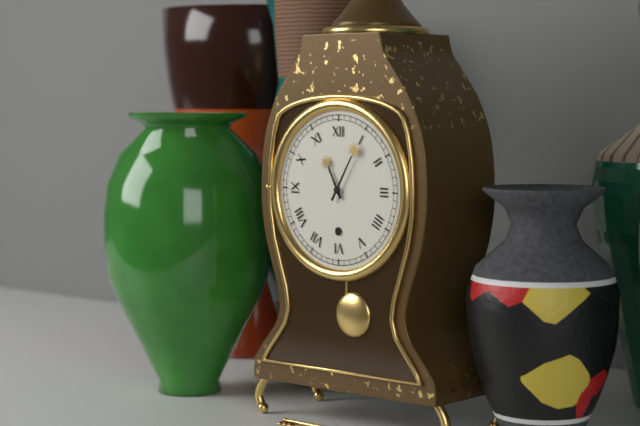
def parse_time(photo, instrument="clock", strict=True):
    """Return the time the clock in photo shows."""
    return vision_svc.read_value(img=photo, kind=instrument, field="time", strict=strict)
11:05
